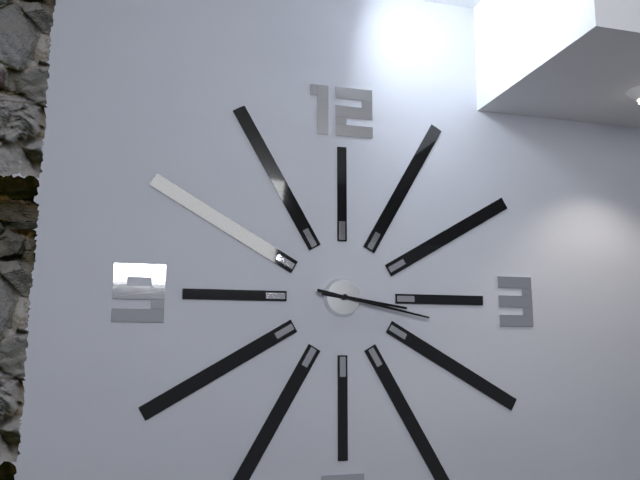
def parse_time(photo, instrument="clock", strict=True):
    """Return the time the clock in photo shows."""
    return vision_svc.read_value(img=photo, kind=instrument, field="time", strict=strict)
3:17
